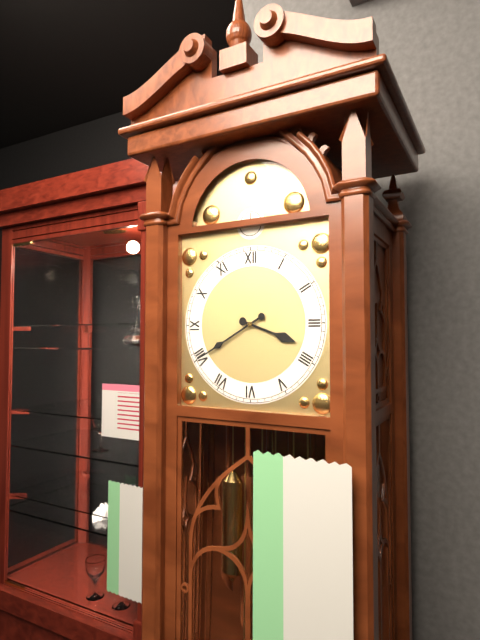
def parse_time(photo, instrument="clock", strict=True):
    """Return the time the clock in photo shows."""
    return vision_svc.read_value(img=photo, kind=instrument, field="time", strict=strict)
3:40
